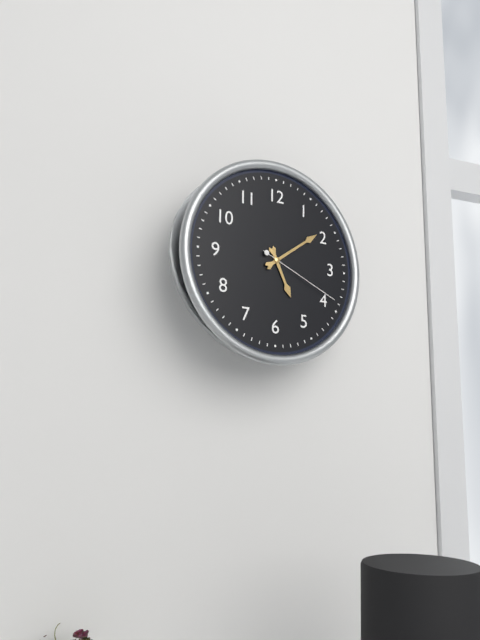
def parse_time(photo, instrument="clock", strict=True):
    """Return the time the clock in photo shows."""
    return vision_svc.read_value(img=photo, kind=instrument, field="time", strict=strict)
5:09:19
